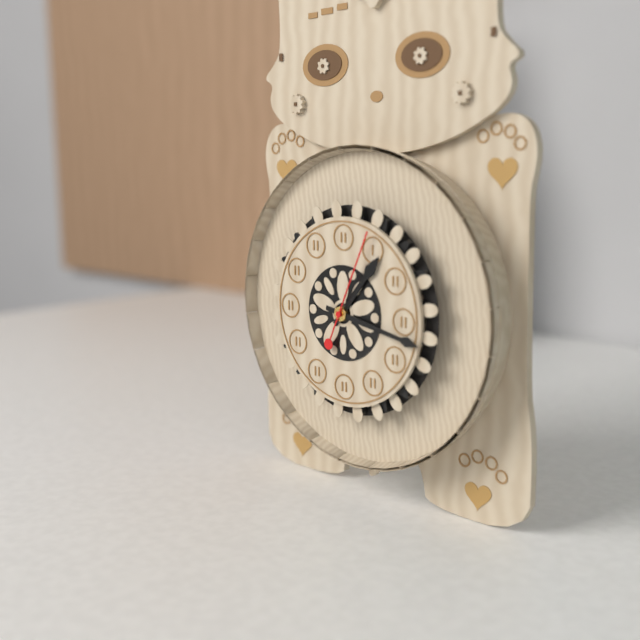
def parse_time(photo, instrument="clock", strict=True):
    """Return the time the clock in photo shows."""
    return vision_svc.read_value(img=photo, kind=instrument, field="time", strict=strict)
1:17:04
